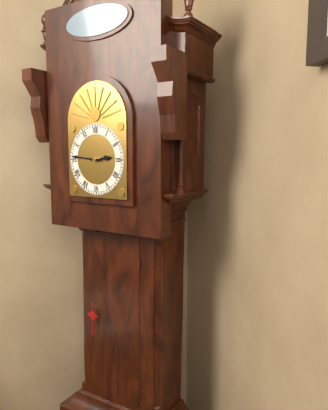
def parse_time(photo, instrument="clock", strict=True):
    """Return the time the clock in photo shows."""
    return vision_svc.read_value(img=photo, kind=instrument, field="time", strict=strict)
2:46
